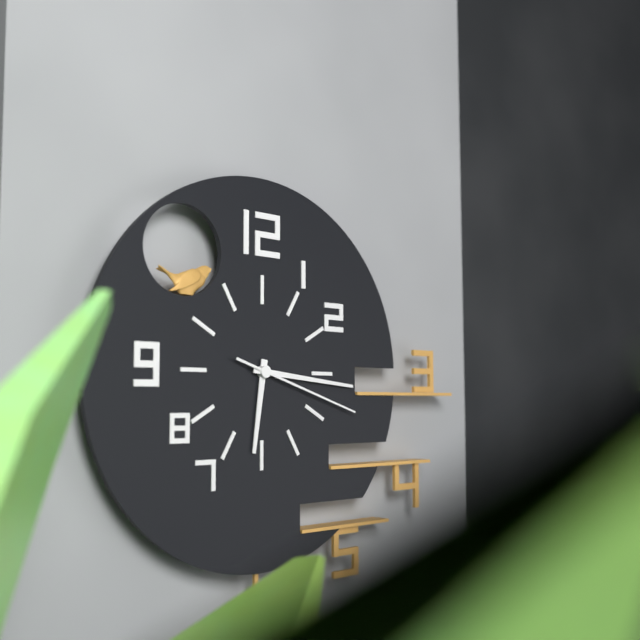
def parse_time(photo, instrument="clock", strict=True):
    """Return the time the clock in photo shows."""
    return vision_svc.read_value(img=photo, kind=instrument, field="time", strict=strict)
6:16:18
